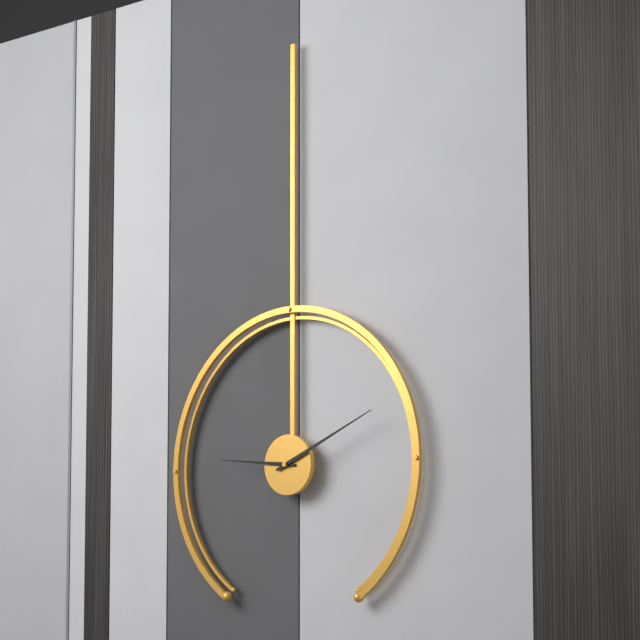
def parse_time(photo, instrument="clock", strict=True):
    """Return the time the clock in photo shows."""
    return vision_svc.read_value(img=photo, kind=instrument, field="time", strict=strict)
9:11
